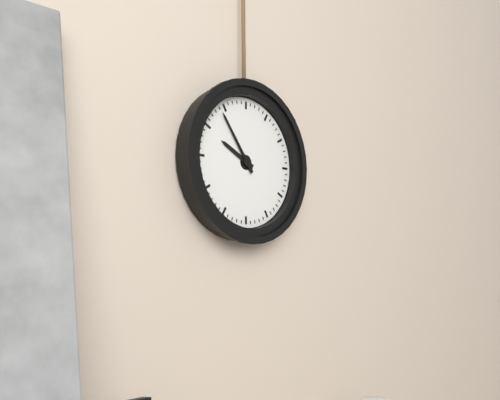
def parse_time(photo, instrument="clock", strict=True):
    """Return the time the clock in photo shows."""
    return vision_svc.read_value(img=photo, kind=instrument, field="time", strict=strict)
9:54
